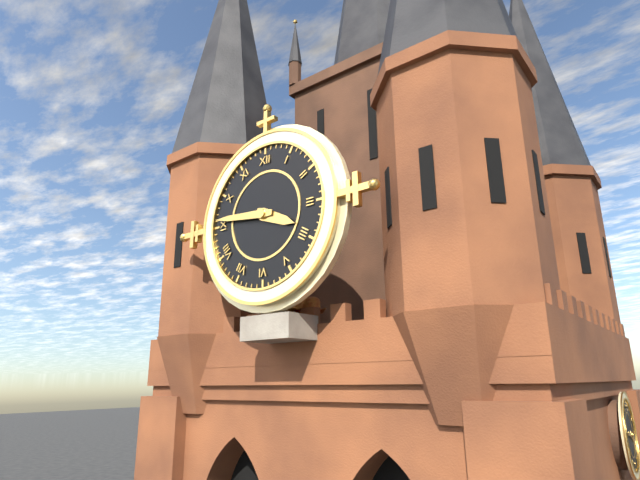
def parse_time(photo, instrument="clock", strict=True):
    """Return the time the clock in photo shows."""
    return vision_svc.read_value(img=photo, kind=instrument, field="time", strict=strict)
3:46
